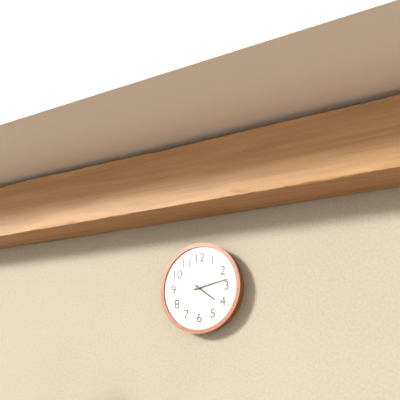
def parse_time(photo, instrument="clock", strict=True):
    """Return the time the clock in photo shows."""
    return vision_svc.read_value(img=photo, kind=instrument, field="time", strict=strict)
4:13
